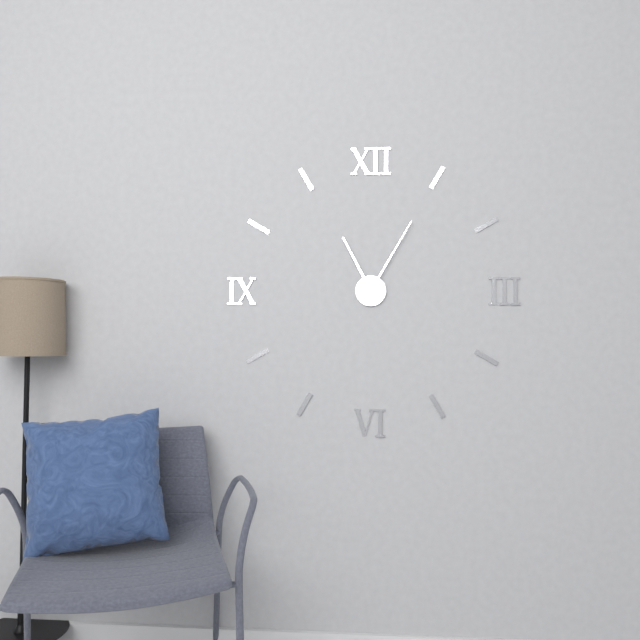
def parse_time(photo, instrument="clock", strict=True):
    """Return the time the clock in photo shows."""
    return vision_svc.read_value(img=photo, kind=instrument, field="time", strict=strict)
11:05
